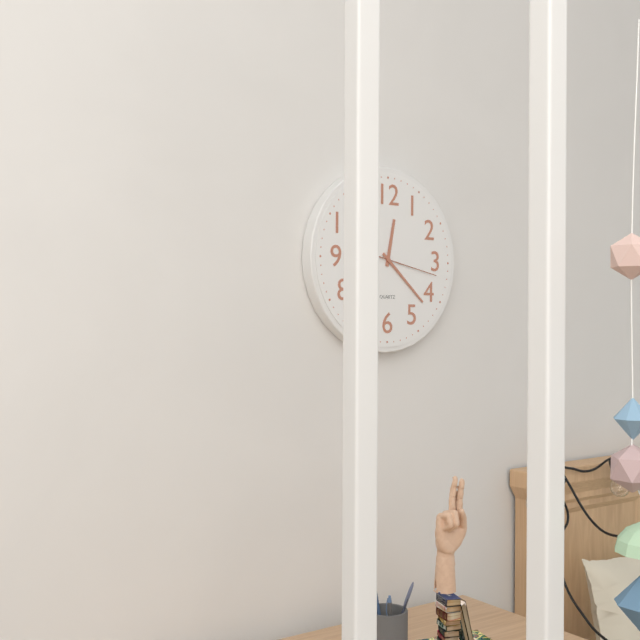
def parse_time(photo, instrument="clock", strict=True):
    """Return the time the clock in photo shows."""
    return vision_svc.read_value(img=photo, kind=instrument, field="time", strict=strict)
12:22:17
